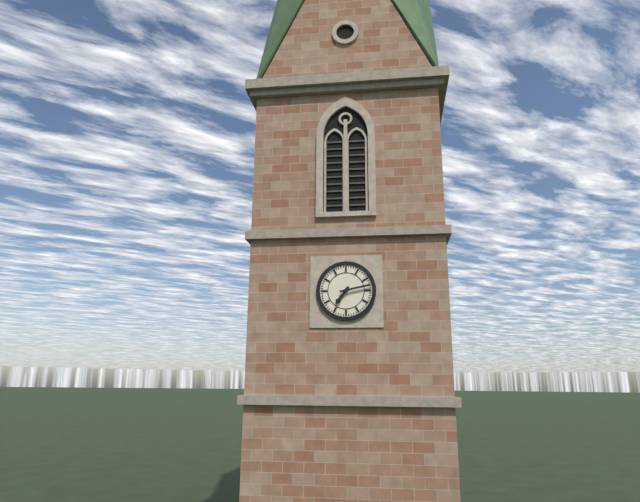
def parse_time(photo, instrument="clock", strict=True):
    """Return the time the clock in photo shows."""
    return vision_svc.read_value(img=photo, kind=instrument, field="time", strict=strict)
7:13
